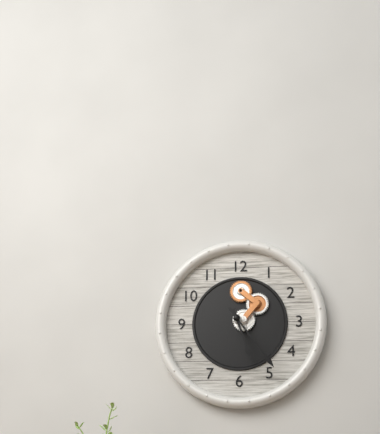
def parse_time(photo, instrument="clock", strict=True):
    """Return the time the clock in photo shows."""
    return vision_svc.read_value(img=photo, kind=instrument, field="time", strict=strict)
5:24
